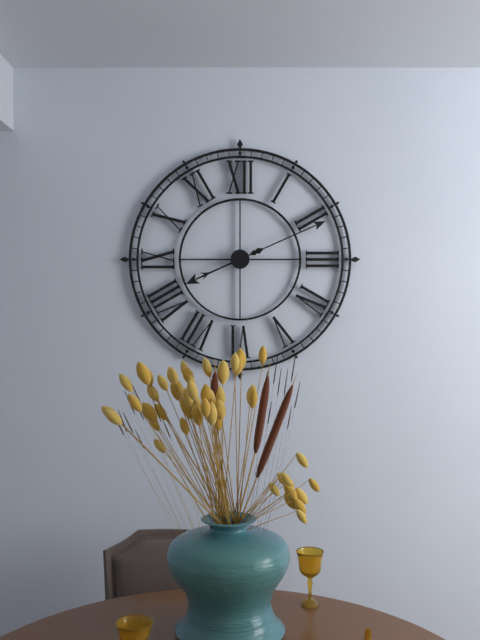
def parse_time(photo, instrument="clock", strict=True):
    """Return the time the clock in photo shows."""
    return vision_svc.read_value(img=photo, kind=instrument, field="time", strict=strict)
8:11
